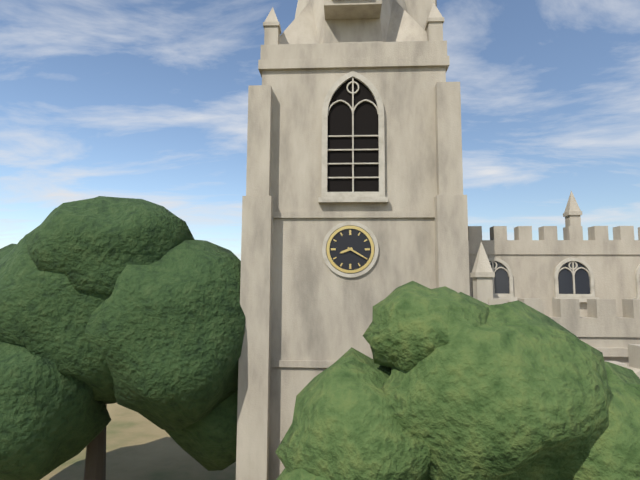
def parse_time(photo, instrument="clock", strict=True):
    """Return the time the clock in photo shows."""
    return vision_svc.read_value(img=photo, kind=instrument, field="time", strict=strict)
8:20
